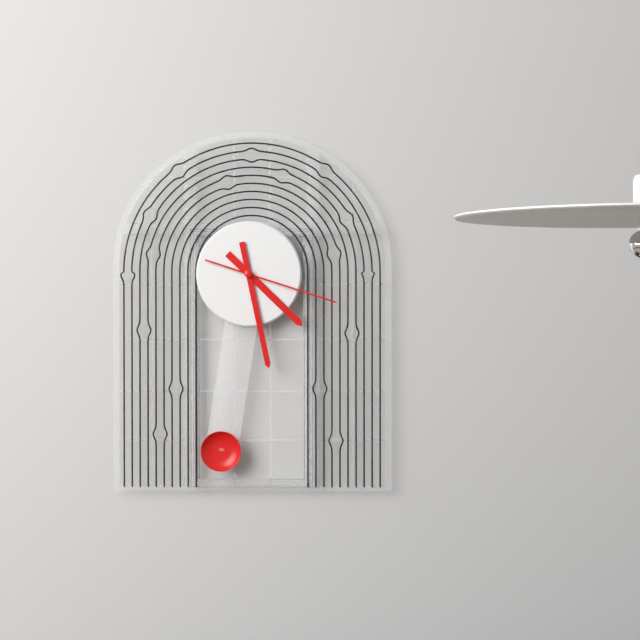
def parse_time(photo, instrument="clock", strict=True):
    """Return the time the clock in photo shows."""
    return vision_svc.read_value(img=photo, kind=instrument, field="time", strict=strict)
4:28:18
